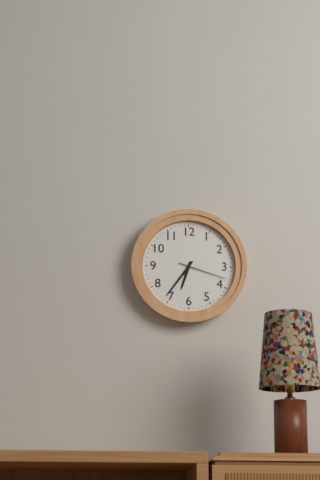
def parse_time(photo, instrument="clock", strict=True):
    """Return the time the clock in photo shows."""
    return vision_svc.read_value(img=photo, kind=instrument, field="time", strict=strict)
6:36:18
